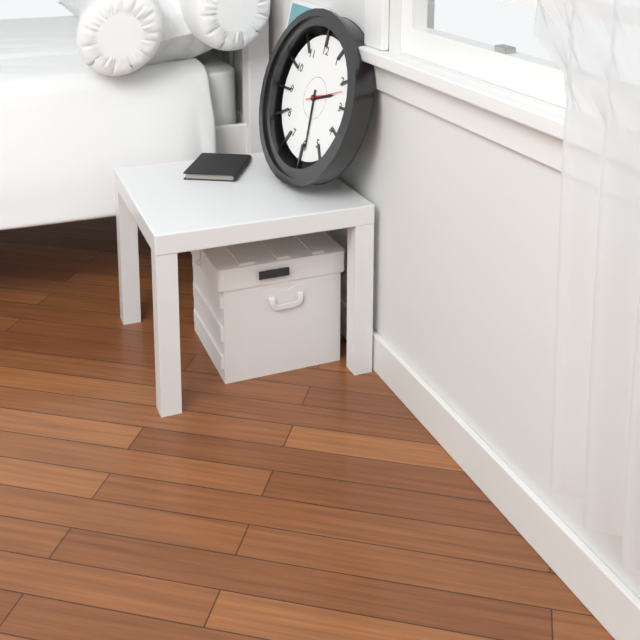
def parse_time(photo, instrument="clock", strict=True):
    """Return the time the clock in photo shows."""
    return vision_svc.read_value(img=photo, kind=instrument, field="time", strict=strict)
2:29
